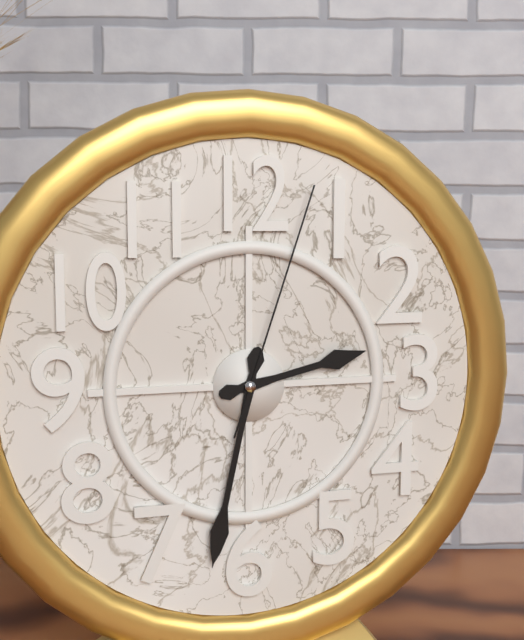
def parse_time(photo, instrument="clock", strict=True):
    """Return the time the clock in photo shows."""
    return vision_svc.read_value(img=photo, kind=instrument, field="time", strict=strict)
2:32:03
